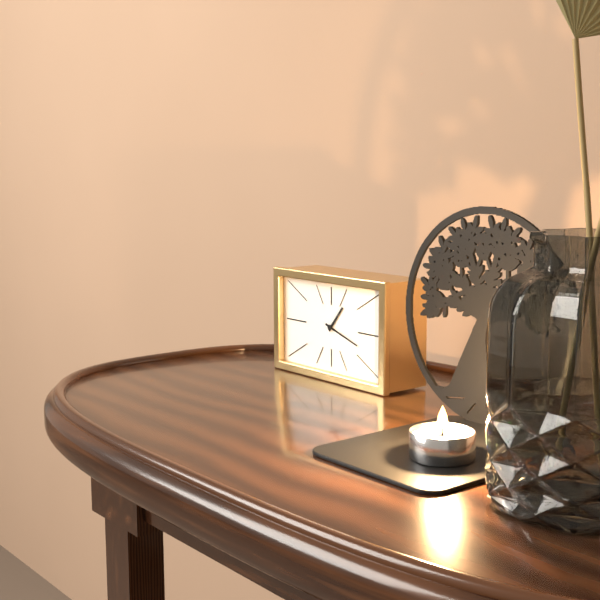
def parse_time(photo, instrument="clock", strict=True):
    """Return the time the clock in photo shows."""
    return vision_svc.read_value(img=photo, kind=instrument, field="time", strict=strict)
1:18
